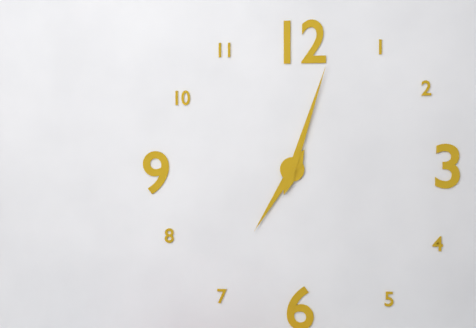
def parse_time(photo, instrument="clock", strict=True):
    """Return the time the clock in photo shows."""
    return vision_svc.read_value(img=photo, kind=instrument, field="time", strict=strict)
7:03
